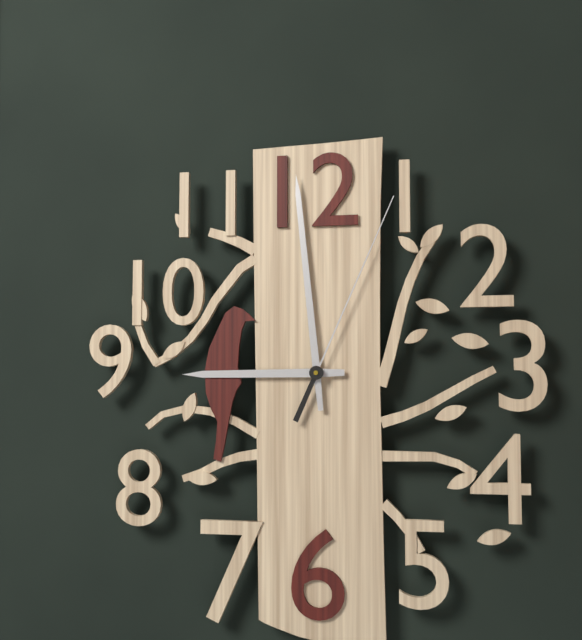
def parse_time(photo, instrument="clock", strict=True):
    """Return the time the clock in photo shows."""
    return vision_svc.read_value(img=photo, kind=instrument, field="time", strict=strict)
8:59:04
